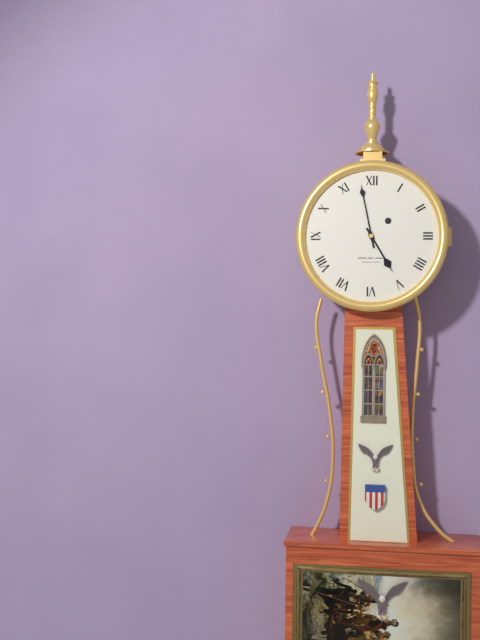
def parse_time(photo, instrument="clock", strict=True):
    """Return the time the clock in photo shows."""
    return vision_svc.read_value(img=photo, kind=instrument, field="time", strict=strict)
4:58
